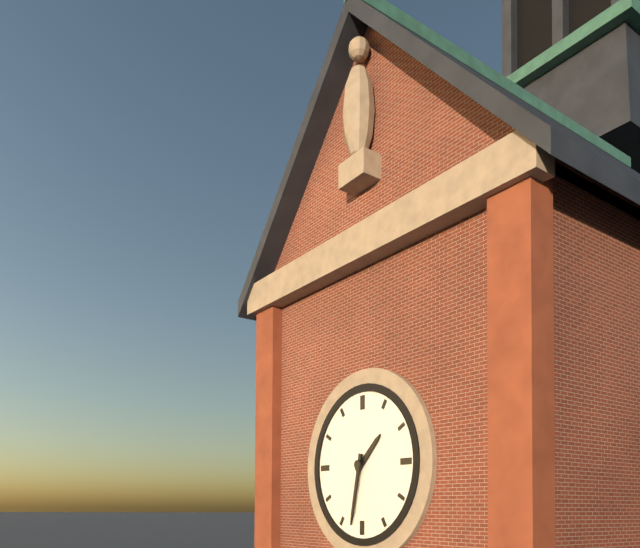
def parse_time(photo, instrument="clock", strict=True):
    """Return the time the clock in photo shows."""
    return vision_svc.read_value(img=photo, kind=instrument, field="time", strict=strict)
1:32
